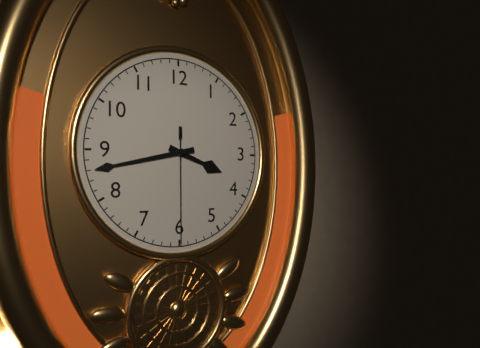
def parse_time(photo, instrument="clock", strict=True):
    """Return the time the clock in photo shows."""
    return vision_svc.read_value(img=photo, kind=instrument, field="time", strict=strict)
3:43:30
